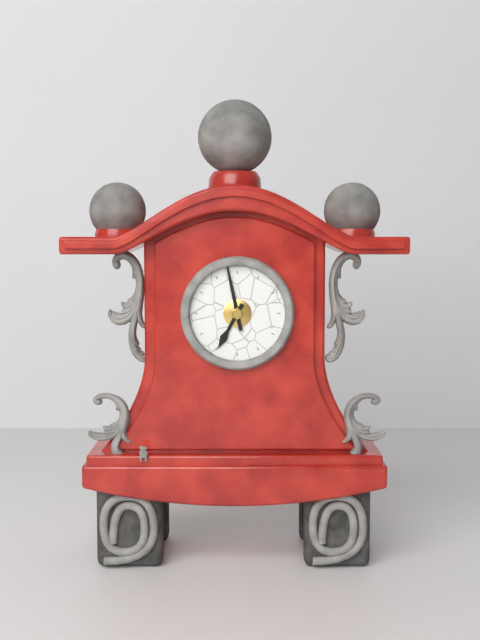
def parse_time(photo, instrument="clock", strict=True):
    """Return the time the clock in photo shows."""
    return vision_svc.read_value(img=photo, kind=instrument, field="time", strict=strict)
6:58
